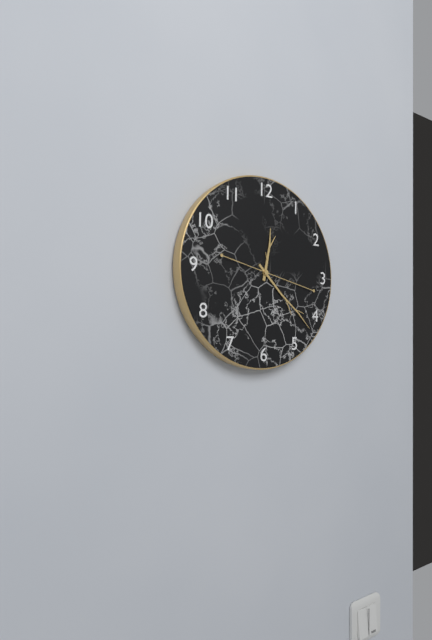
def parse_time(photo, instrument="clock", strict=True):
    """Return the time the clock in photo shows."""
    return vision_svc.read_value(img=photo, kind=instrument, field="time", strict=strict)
12:22:17
